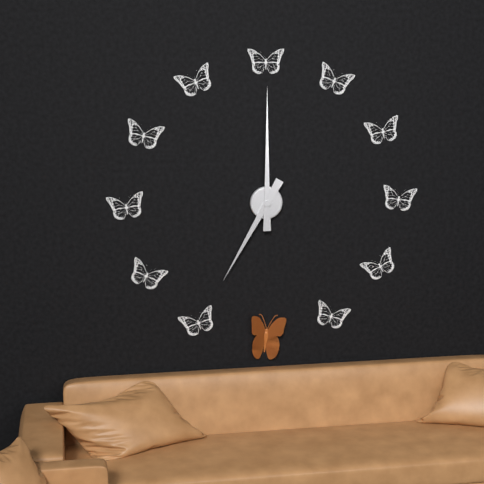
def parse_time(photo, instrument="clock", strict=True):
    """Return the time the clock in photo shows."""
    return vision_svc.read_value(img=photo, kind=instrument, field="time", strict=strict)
7:00
